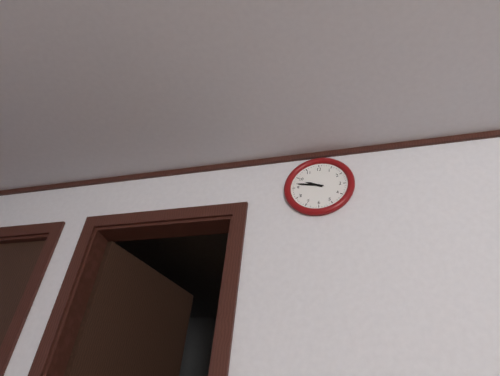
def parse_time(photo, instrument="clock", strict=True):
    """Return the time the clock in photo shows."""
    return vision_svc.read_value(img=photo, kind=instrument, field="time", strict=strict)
9:47
